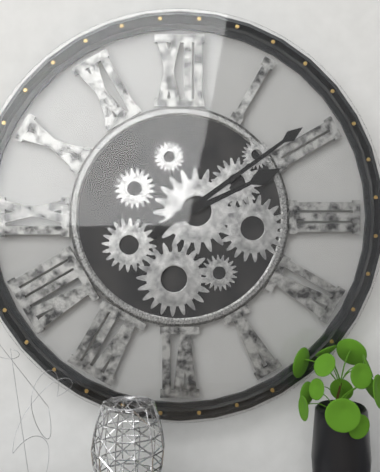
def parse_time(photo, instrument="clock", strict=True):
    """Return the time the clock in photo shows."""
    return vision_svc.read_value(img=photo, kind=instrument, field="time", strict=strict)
2:09
